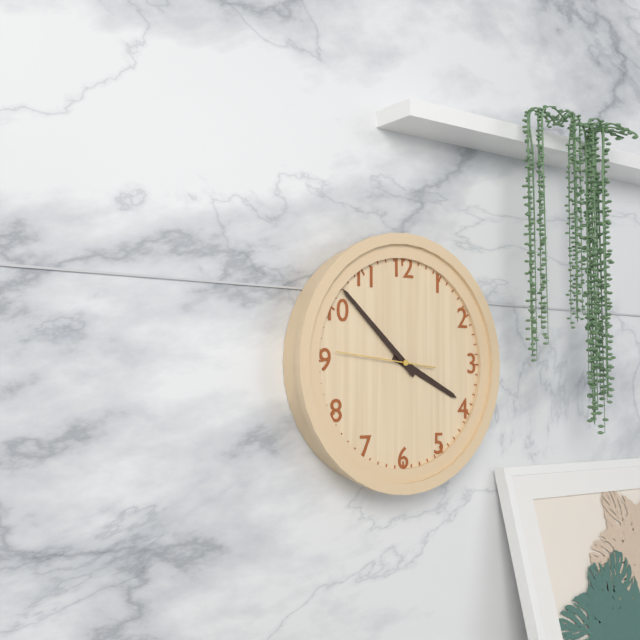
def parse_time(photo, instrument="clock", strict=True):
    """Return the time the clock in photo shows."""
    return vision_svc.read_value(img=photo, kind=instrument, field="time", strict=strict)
3:52:46
